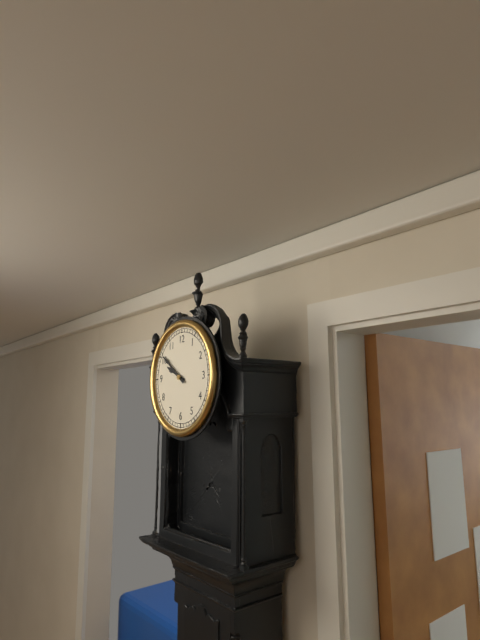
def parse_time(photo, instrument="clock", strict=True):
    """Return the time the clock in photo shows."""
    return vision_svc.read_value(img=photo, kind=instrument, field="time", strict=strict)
9:51
